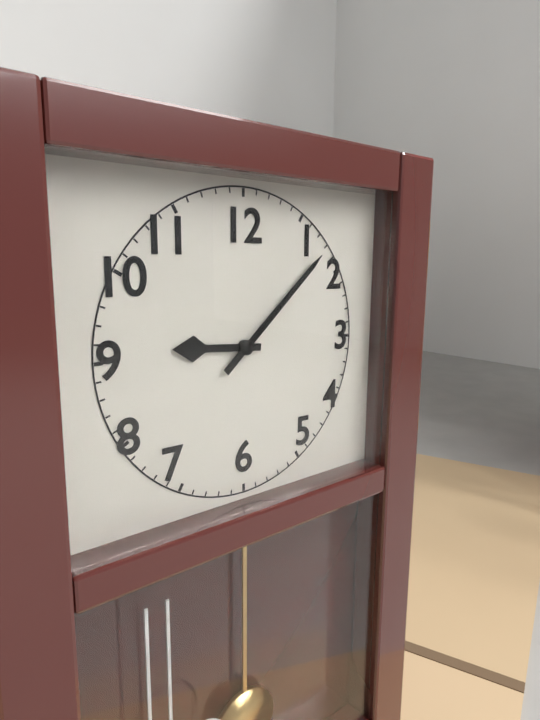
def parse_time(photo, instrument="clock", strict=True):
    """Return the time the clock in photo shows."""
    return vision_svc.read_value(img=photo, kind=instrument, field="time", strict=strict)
9:08
